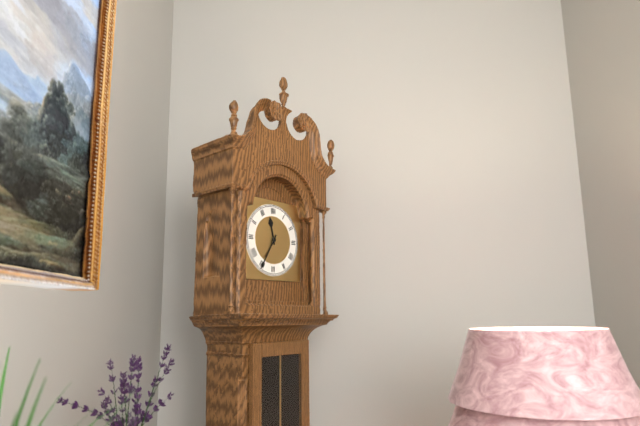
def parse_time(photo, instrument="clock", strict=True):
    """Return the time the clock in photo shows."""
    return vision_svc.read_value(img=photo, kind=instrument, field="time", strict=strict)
11:35
